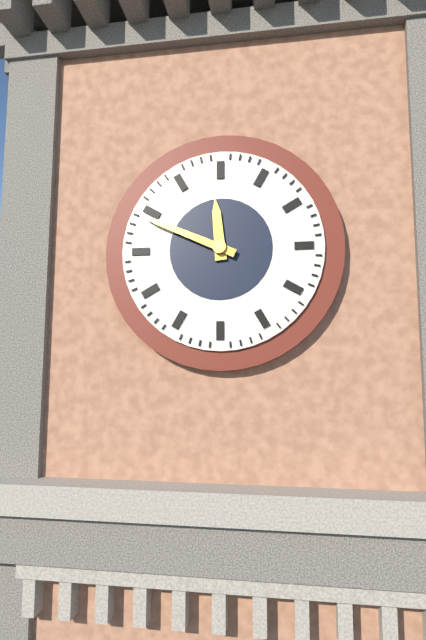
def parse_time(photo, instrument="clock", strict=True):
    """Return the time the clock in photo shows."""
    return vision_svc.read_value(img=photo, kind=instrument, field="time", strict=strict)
11:49
